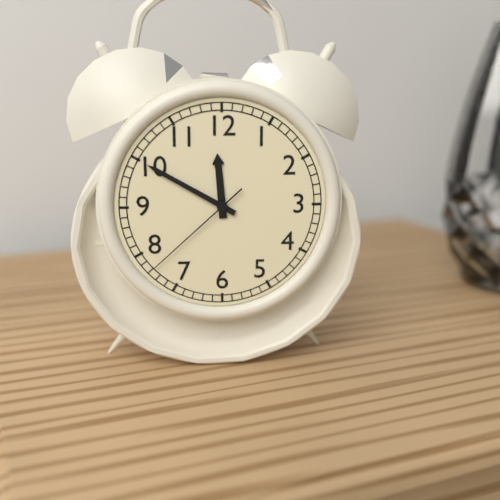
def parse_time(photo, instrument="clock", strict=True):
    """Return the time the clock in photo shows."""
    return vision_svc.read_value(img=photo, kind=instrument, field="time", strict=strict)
11:50:38
